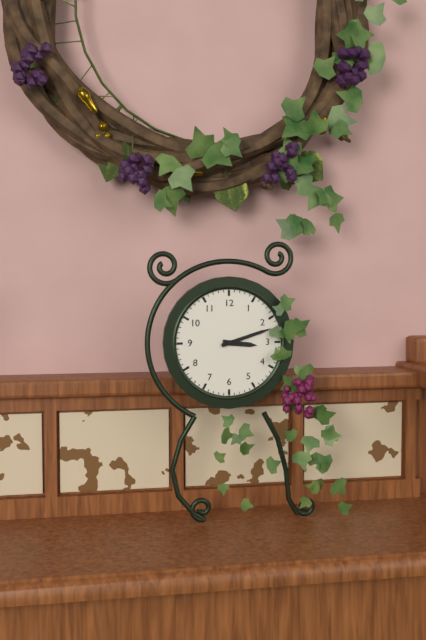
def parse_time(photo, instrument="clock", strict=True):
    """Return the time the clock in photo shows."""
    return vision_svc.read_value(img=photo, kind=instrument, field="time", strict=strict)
3:12
